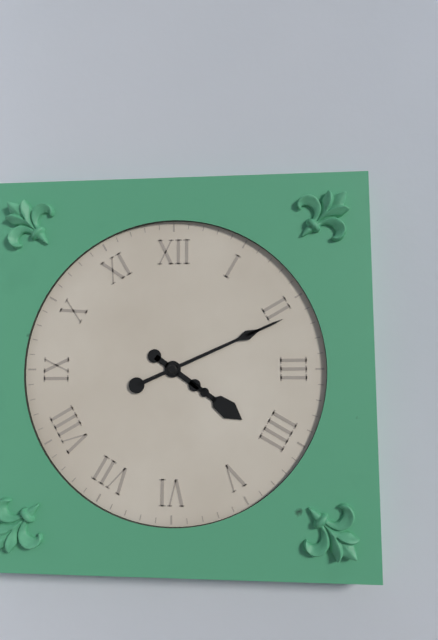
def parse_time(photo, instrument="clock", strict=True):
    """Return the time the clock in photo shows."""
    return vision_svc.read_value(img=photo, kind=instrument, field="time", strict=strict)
4:11
